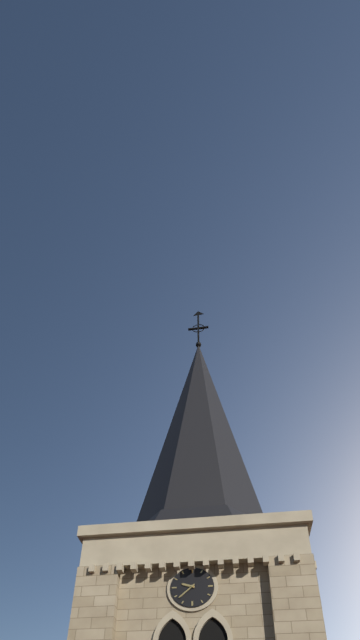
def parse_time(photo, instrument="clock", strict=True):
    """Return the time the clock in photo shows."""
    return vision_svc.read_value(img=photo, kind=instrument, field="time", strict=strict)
9:38
